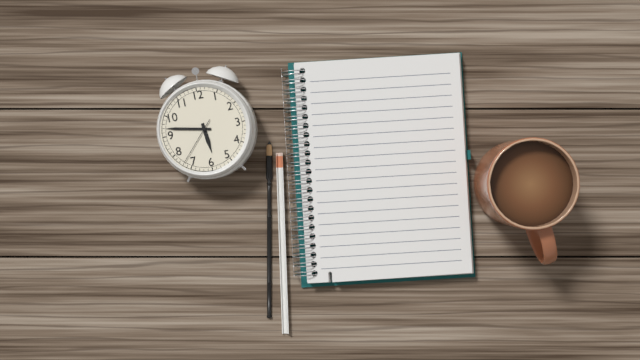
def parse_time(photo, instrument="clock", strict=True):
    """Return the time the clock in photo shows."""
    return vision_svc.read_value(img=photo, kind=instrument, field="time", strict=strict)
5:47
